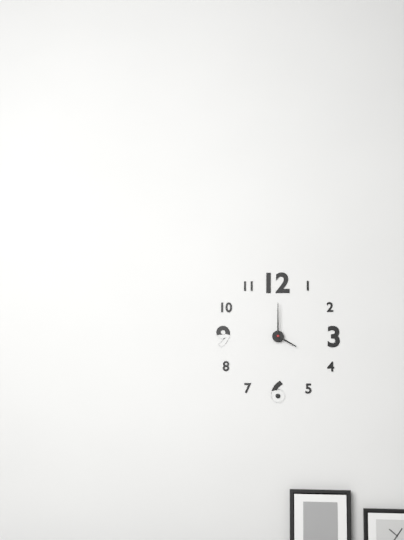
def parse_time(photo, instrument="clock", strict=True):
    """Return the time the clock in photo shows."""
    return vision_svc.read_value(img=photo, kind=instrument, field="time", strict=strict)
4:00
